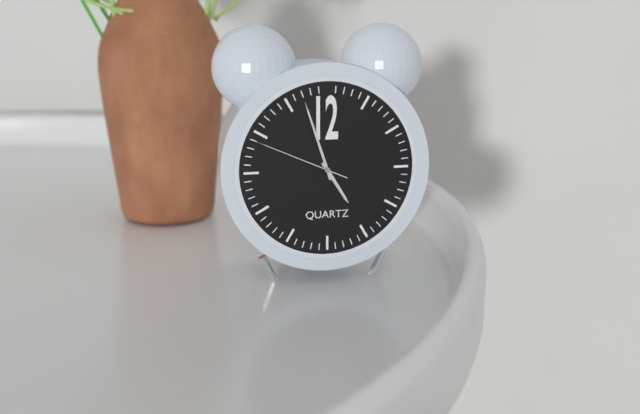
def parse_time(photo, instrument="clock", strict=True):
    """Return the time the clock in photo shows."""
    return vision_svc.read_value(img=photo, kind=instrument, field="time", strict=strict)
4:57:49
